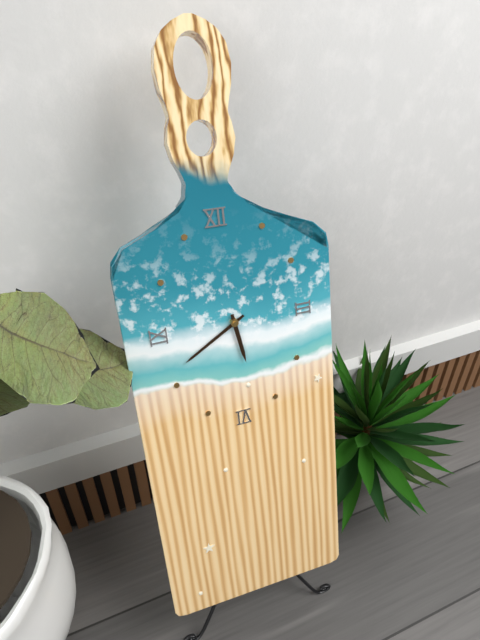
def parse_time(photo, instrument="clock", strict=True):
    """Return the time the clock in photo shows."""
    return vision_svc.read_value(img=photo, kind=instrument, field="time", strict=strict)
5:40
